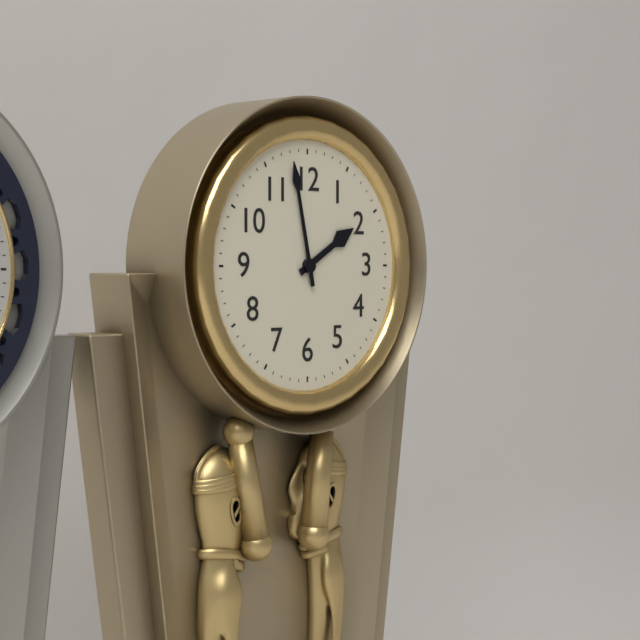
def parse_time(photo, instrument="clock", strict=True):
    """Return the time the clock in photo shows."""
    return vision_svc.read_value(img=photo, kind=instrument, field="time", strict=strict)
1:58
